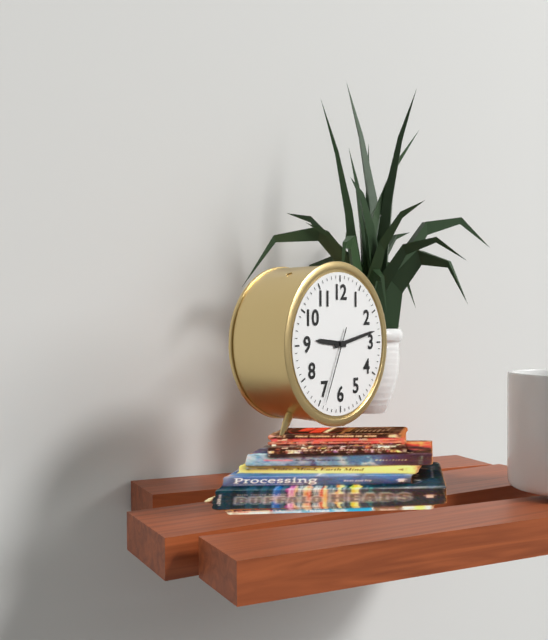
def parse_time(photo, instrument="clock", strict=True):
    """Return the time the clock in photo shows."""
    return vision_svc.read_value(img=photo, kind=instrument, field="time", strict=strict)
9:13:34
